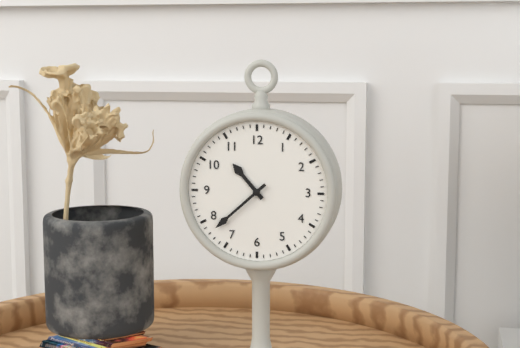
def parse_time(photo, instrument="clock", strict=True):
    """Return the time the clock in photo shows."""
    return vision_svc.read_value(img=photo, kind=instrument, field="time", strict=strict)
10:38
